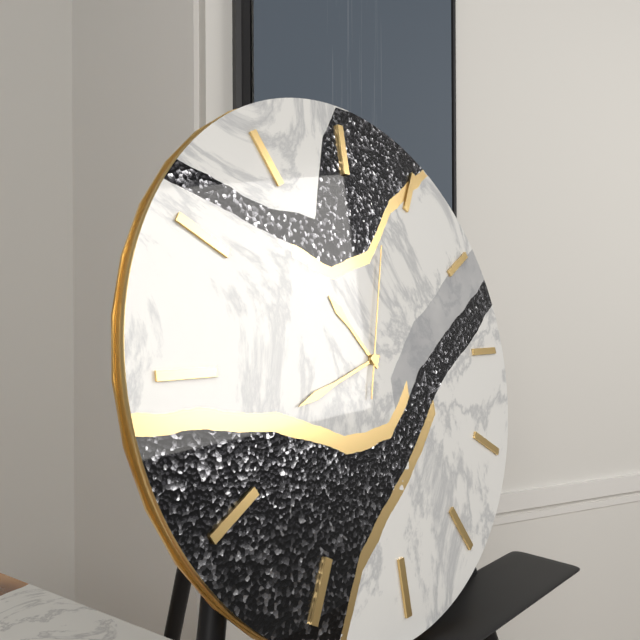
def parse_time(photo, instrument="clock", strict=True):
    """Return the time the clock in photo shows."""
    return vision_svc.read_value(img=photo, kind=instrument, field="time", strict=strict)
10:42:03
